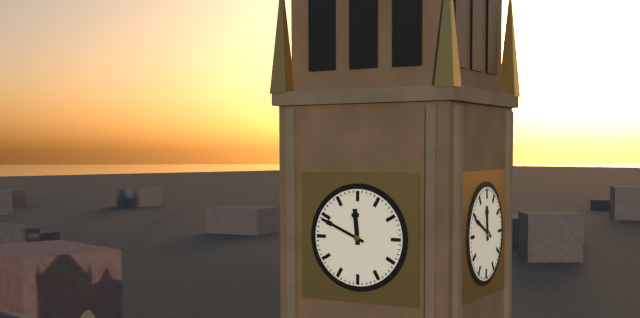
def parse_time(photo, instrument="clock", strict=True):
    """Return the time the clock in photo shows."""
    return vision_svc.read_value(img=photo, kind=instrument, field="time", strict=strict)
11:49
